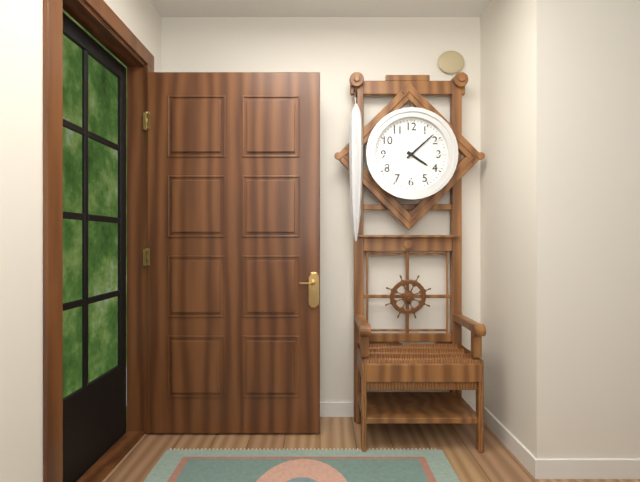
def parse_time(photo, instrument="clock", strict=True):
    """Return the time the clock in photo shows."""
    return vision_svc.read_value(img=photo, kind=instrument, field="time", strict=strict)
4:08
